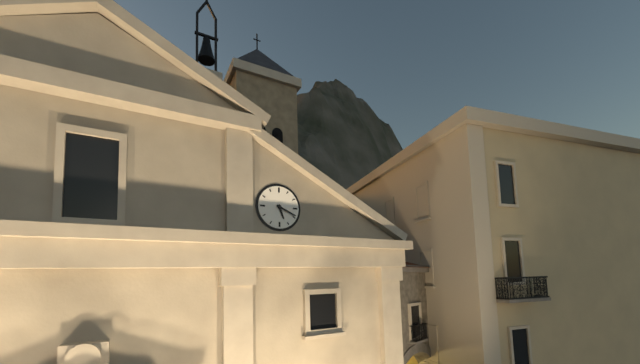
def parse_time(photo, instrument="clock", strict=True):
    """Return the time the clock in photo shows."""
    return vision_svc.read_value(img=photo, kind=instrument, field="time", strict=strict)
5:19
